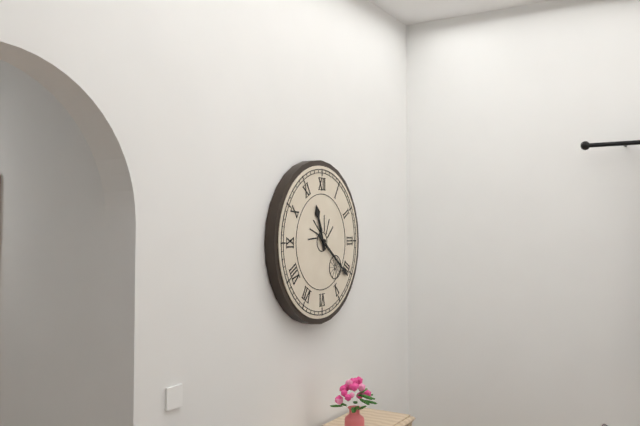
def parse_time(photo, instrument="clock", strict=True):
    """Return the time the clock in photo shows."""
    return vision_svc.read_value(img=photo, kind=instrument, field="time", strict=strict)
11:21
